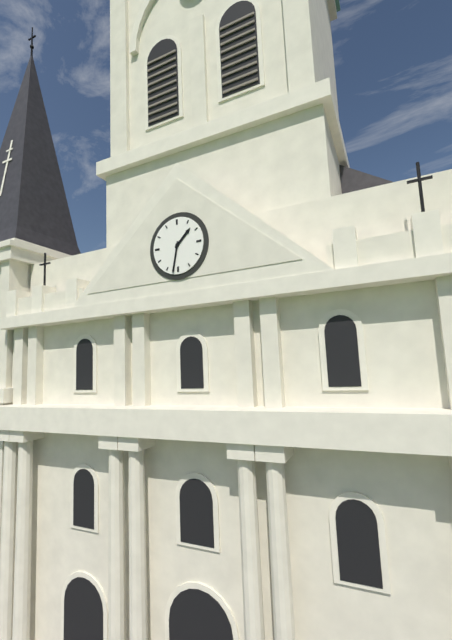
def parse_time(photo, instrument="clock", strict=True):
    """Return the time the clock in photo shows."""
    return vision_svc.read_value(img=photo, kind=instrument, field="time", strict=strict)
1:32
